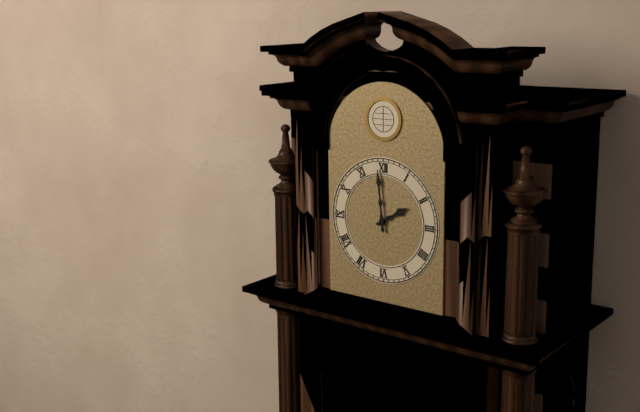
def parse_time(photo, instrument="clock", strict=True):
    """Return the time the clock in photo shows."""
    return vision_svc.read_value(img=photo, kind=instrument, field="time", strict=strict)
1:59
